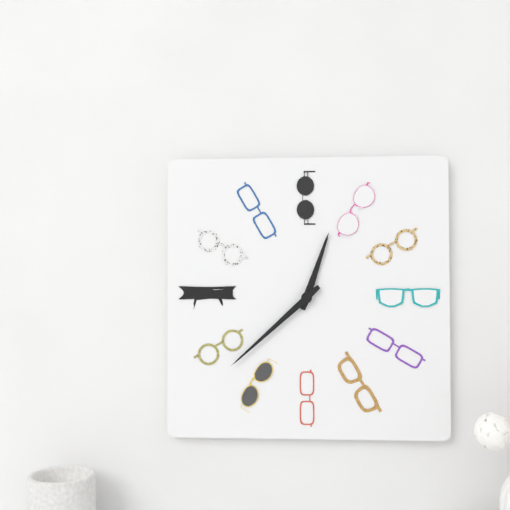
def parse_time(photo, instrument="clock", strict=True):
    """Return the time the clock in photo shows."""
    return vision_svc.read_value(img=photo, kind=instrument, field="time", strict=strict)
12:38
